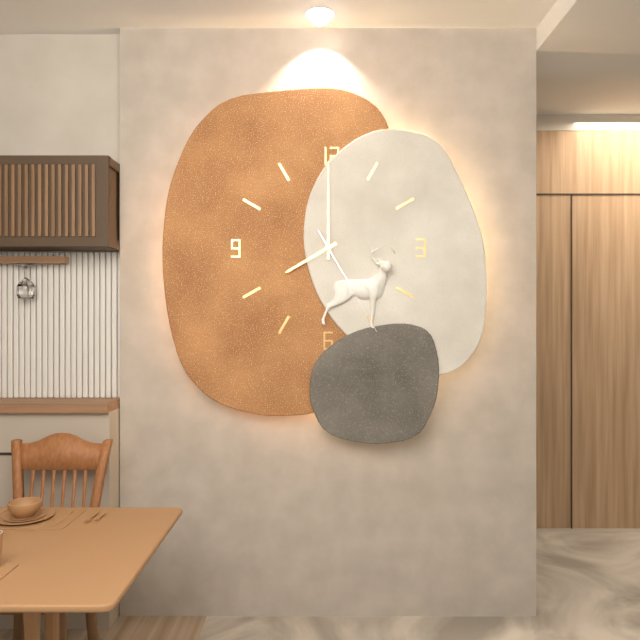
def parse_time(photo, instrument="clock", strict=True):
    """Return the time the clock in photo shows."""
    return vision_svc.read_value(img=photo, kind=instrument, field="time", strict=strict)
8:00:25
